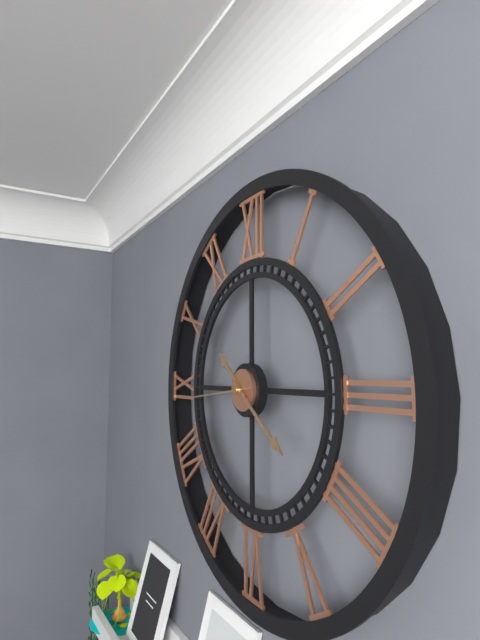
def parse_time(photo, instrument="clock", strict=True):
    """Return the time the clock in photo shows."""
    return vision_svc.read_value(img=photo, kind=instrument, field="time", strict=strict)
10:21:44
